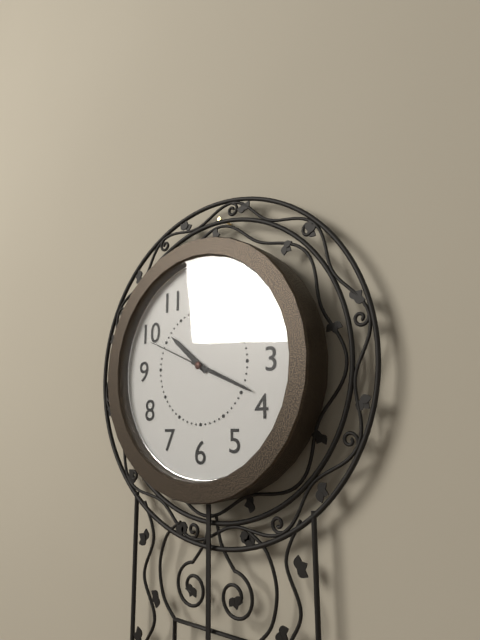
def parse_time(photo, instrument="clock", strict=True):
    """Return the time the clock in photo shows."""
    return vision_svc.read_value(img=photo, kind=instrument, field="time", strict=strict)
10:19:49
